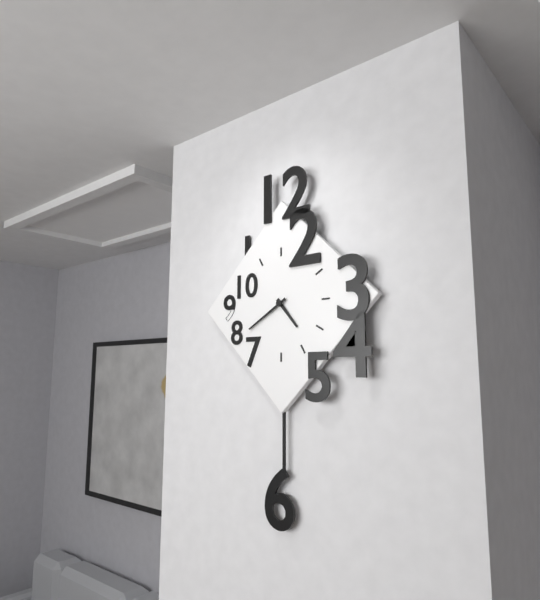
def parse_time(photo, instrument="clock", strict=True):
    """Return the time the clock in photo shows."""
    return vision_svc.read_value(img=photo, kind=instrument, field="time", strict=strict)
4:40
